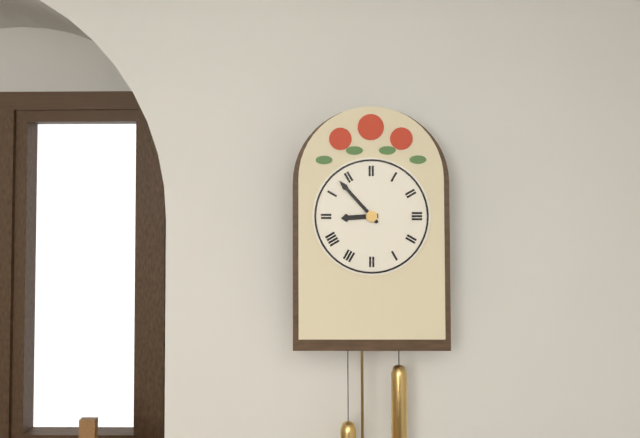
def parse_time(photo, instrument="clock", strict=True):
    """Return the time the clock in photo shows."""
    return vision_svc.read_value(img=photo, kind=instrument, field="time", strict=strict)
8:53
